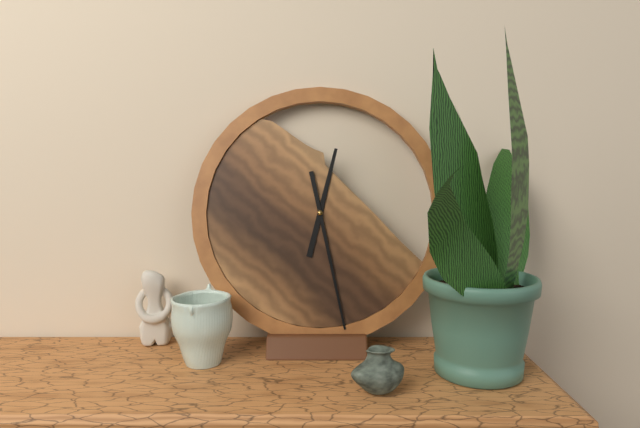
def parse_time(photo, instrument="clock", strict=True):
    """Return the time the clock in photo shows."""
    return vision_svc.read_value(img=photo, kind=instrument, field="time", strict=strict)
12:28
